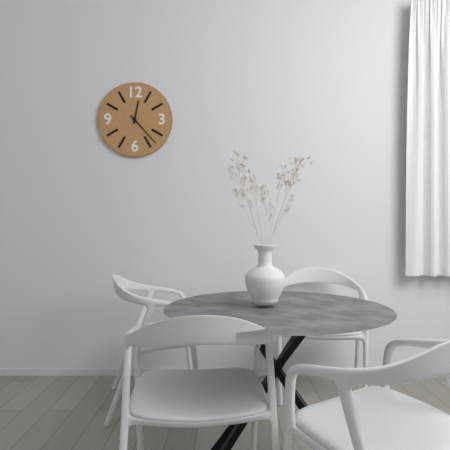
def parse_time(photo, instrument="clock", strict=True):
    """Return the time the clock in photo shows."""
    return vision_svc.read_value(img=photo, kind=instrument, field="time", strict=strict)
12:23
